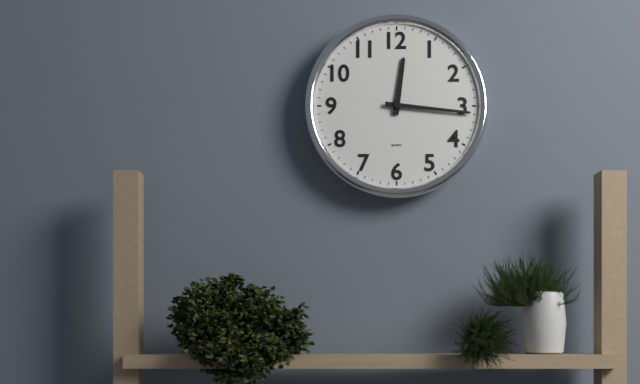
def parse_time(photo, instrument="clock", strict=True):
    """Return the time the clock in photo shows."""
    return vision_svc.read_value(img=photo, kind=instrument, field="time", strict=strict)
12:16
